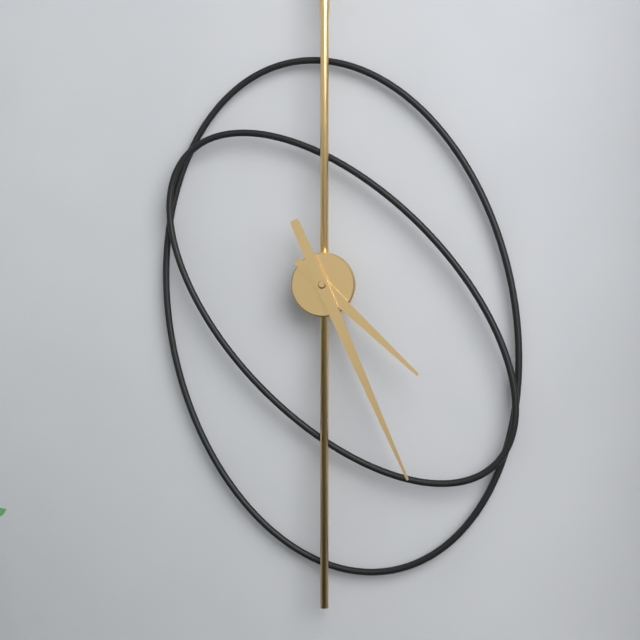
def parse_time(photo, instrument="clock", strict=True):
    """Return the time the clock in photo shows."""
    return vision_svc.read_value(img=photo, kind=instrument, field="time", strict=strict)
4:26
